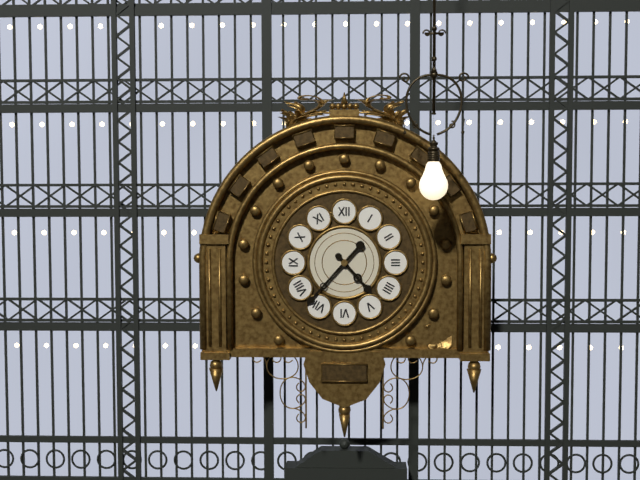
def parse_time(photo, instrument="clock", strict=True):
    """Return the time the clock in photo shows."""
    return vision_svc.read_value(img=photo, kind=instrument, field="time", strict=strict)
4:37
